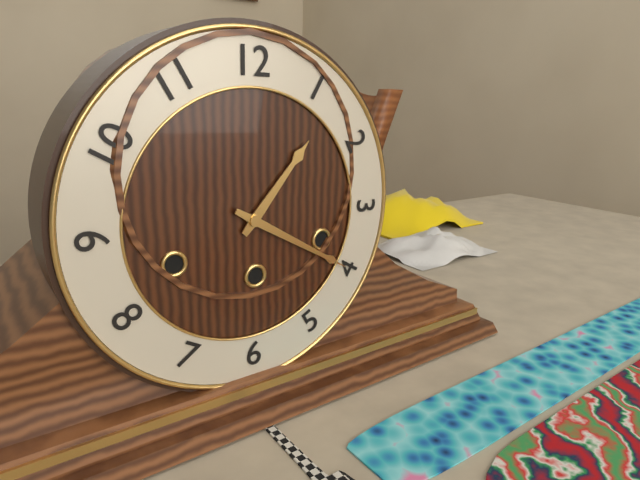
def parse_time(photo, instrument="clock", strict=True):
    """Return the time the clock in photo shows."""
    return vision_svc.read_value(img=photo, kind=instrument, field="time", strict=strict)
1:20
